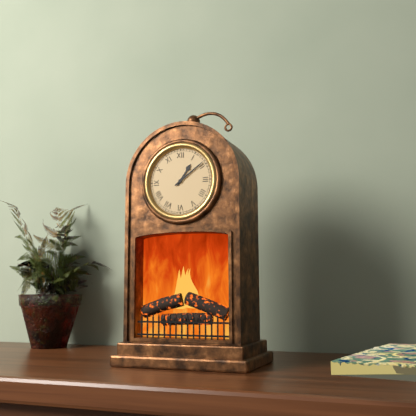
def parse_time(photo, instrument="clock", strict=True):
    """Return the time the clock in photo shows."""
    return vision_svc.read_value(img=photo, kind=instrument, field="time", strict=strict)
1:09
